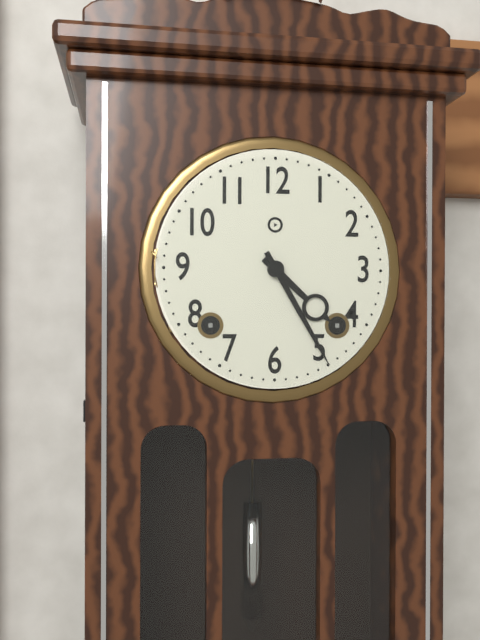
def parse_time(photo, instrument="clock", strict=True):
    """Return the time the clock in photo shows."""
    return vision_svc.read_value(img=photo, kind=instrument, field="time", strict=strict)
4:25
